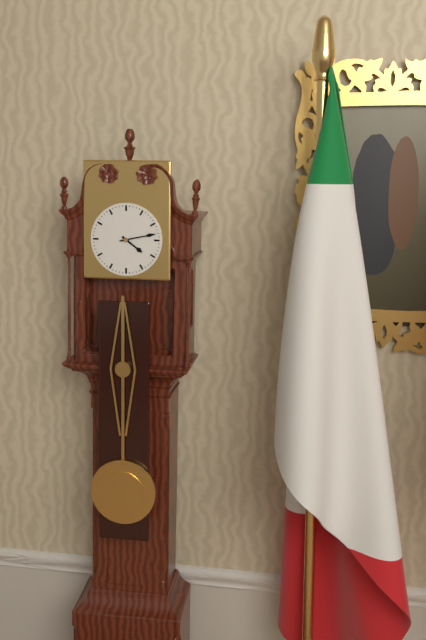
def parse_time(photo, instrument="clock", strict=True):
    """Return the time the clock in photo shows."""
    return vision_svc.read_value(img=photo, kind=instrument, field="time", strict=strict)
4:13
